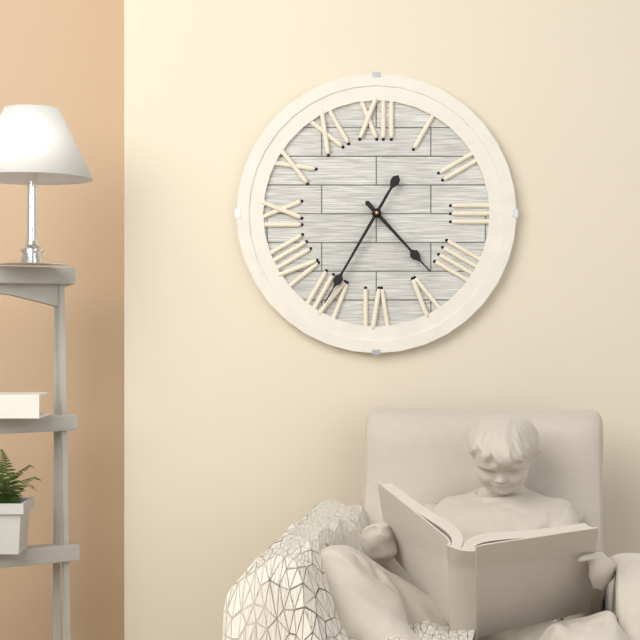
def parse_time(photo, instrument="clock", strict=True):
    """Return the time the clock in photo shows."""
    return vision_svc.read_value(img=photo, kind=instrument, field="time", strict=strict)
4:35
